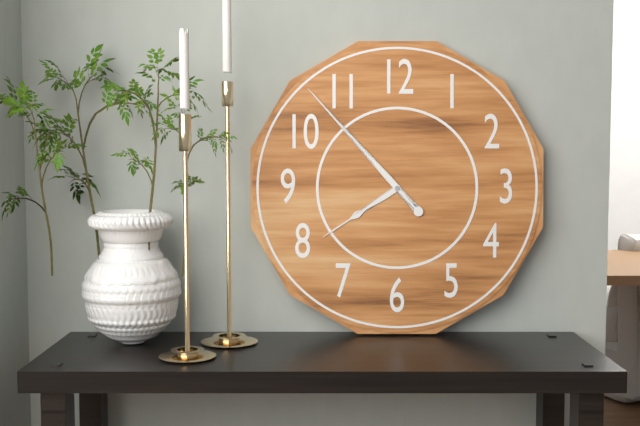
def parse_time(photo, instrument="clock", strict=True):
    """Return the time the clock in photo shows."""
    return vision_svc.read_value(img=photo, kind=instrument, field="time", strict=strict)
7:53
